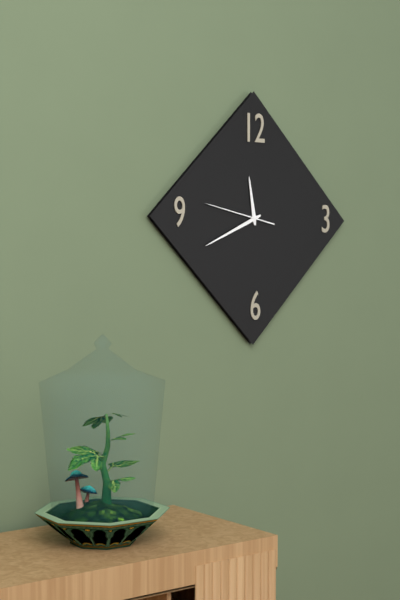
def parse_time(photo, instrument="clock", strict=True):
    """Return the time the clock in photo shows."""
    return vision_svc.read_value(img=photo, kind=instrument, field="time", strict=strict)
11:41:47
